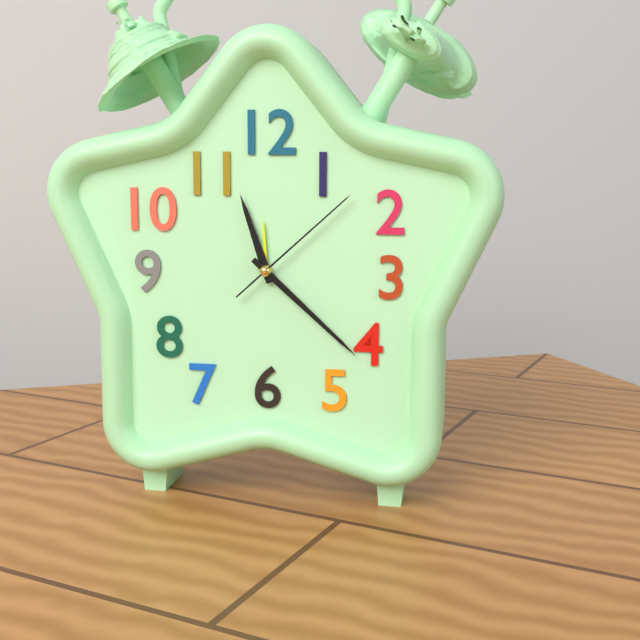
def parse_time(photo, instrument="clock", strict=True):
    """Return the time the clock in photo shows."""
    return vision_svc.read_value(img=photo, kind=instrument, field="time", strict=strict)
11:22:08
